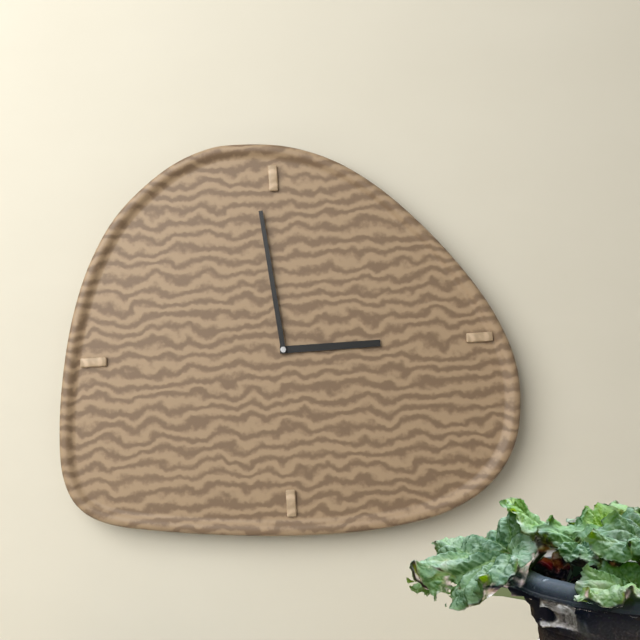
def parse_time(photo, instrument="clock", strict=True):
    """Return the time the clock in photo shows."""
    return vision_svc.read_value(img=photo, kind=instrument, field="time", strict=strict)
2:59
